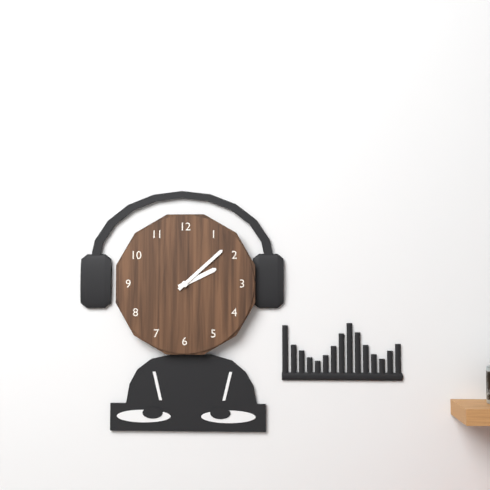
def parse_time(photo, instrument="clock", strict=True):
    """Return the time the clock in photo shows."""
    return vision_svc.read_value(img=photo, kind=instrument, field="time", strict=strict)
2:08
